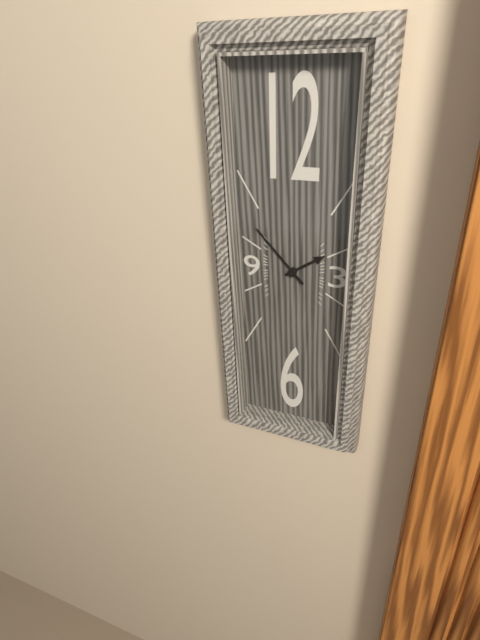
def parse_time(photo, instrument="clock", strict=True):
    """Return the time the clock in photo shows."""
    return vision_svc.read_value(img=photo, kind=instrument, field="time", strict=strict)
1:53
